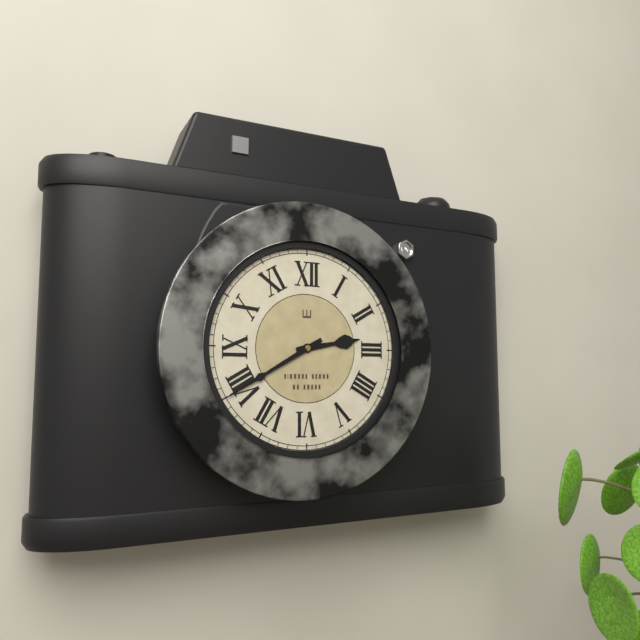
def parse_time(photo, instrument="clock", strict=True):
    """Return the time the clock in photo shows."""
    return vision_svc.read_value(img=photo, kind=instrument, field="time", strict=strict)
2:40
